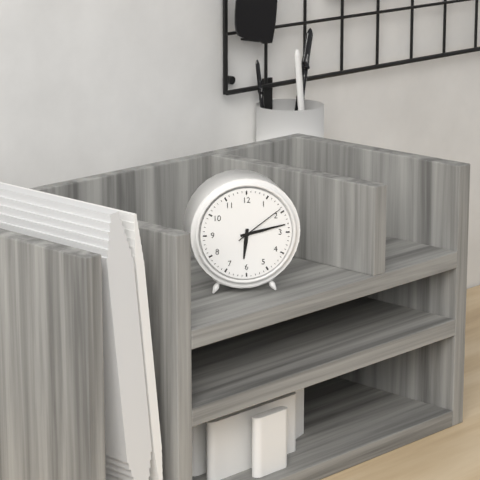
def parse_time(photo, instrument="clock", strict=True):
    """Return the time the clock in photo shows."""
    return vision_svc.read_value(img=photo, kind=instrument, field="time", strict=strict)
6:13:09
